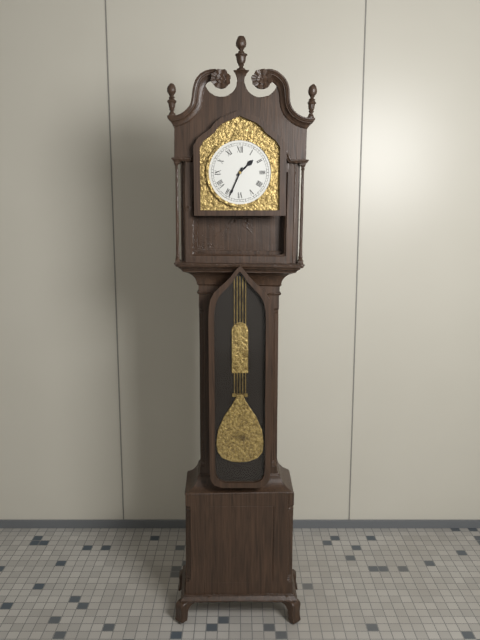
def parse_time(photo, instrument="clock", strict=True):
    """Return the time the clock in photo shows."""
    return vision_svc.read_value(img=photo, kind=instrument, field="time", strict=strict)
1:34
